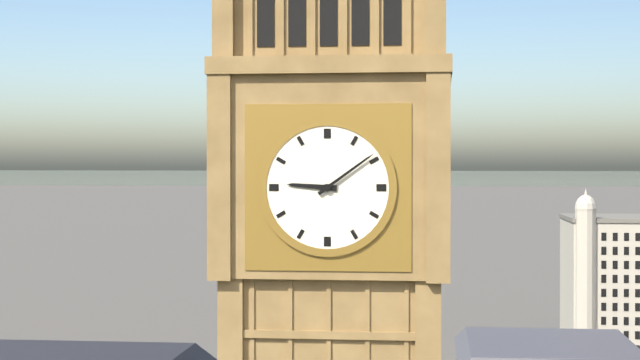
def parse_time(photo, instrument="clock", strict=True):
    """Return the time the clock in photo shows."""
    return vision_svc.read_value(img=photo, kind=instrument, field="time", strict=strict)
9:09
